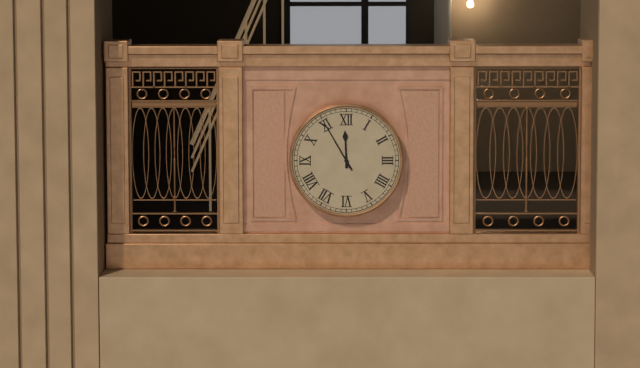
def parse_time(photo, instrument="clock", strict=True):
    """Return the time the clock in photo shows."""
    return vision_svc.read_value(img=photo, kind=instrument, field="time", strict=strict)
11:55
